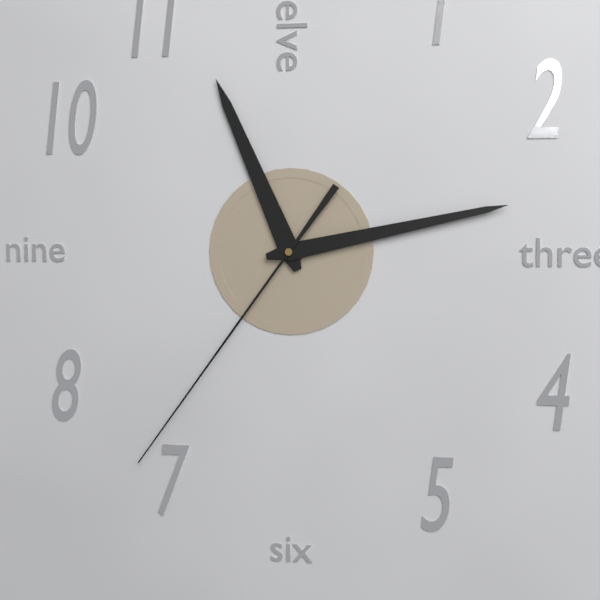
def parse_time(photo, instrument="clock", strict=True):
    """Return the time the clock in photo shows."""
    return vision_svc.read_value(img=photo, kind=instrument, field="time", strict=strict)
11:13:36
